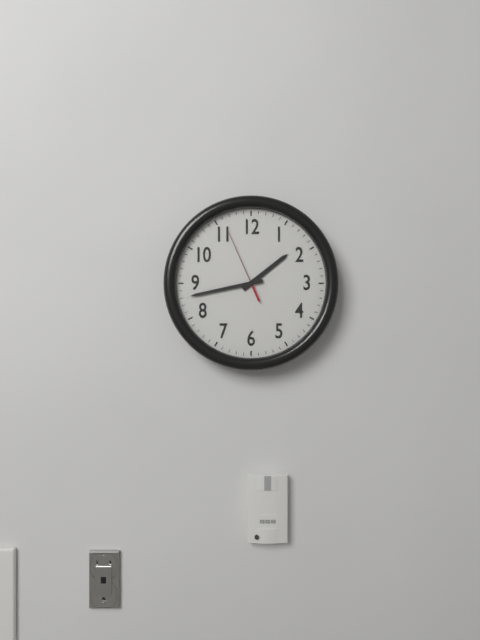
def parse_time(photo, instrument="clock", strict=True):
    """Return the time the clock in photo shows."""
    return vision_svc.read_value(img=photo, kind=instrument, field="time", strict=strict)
1:43:56
